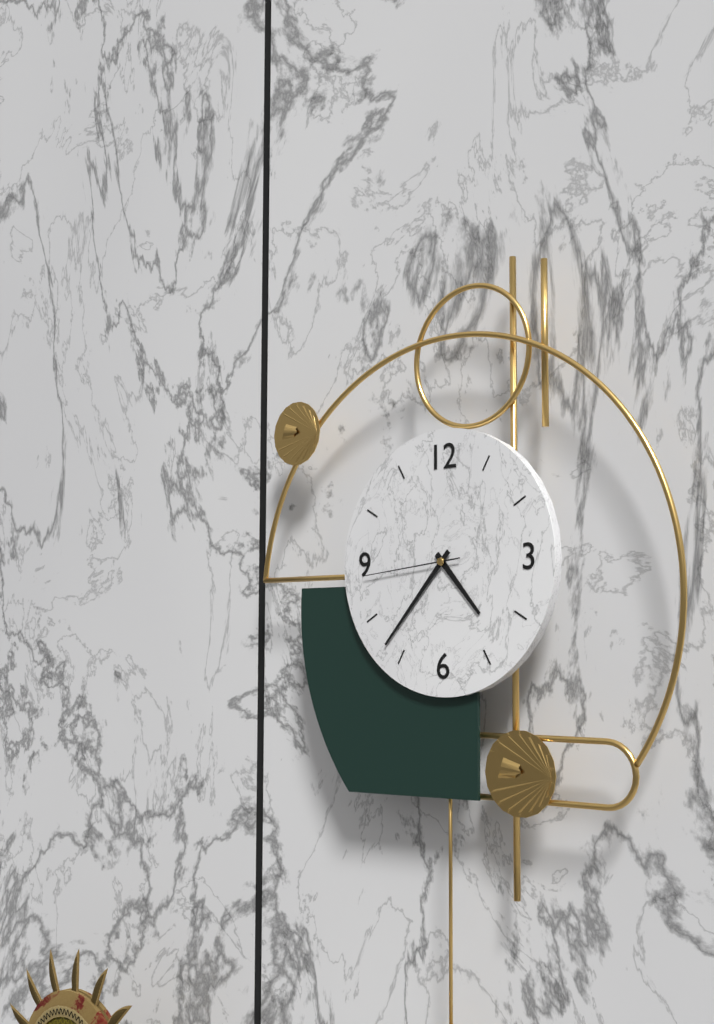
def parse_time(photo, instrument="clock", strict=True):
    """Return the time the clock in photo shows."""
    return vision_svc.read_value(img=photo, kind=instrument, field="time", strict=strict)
4:37:44
